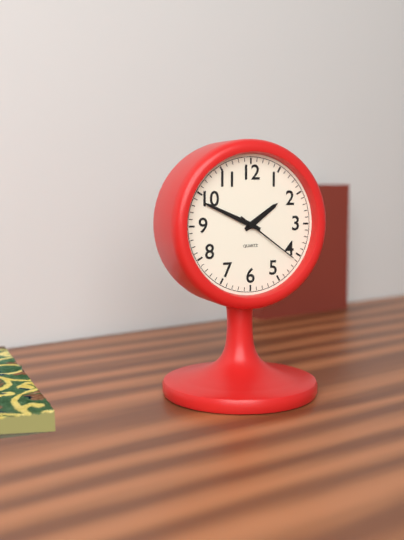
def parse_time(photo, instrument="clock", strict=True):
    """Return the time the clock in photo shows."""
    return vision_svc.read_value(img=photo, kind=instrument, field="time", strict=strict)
1:49:21
